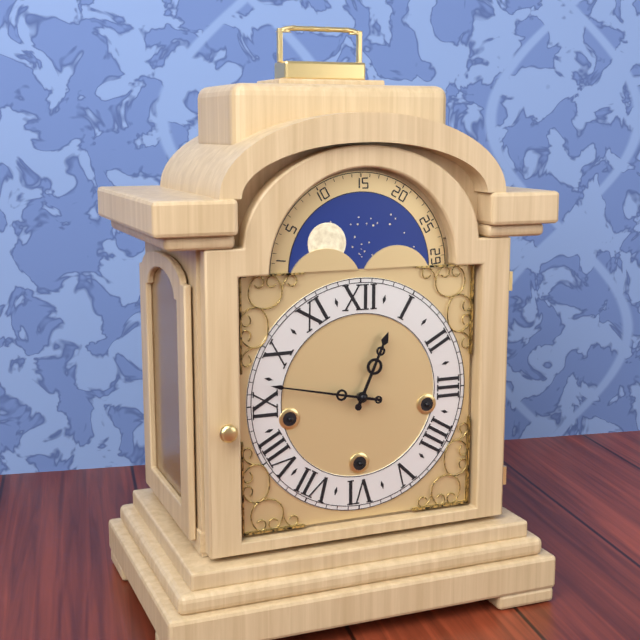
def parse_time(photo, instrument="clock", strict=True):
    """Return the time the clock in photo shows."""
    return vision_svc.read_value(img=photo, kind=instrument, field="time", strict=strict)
12:47
